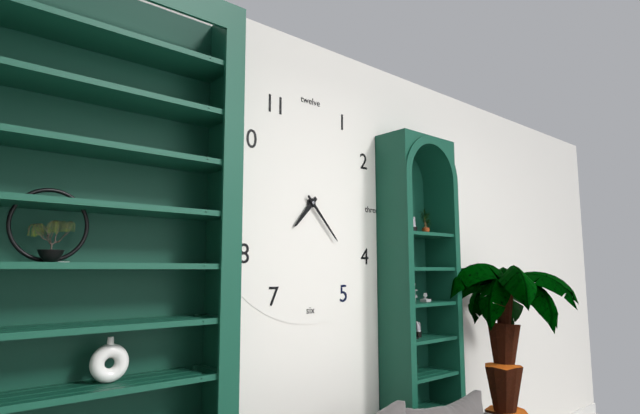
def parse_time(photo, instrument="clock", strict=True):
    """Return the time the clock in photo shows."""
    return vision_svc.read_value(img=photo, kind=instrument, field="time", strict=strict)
7:23
